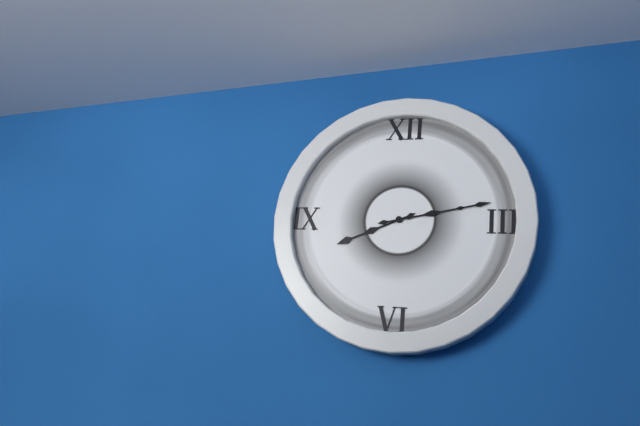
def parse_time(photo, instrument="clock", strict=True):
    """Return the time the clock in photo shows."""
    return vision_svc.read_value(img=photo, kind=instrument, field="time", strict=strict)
8:13
